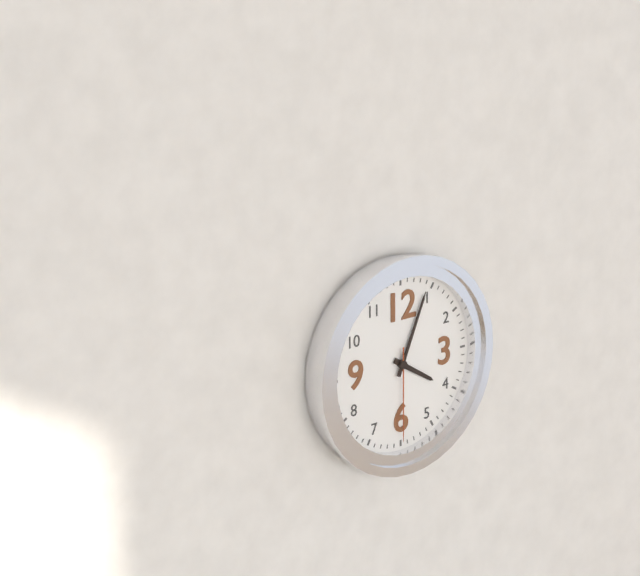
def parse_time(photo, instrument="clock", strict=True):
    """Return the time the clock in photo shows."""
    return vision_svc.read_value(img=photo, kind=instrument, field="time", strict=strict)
4:04:30
